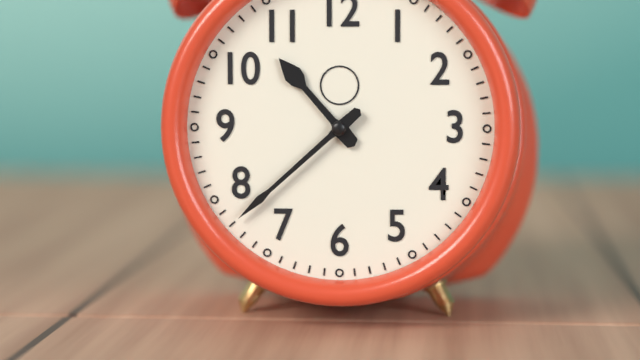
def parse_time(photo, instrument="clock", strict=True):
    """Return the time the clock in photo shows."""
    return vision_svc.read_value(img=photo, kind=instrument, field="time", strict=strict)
10:38
